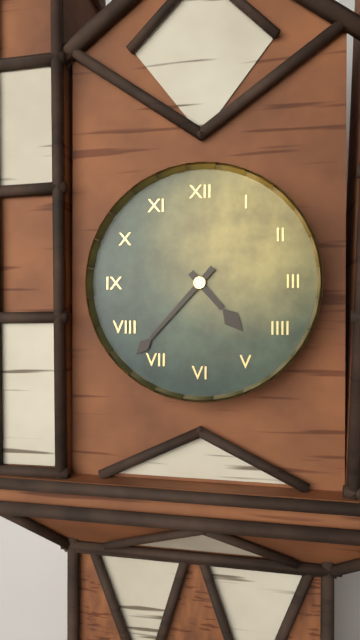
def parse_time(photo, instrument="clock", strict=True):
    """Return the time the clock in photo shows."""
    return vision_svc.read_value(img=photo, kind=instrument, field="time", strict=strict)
4:37
